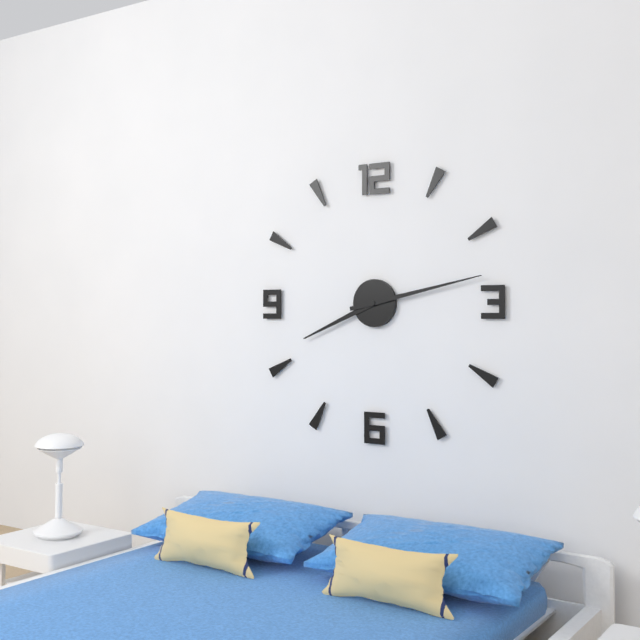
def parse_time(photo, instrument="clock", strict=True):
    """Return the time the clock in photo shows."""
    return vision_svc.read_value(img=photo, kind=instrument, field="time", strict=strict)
8:13
